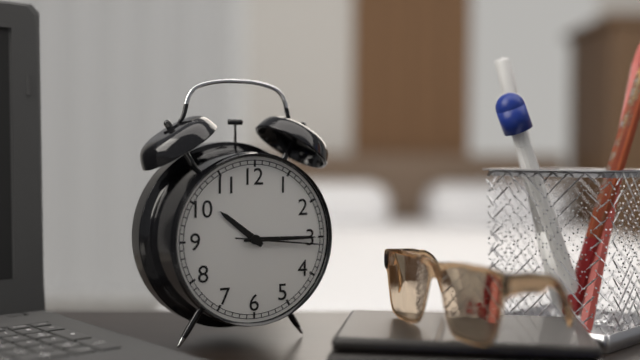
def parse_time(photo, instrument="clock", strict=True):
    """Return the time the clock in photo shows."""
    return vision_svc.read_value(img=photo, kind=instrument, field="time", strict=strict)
10:15:16
